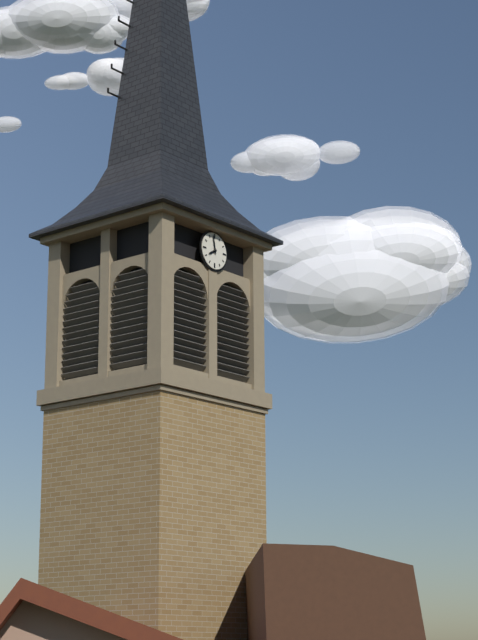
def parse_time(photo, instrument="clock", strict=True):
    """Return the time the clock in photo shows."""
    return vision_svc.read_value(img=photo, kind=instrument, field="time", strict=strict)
7:58
